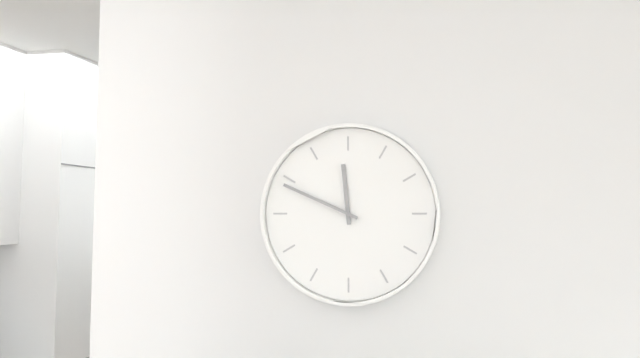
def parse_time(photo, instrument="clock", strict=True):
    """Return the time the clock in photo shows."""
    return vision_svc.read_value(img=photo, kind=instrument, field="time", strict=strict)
11:49
